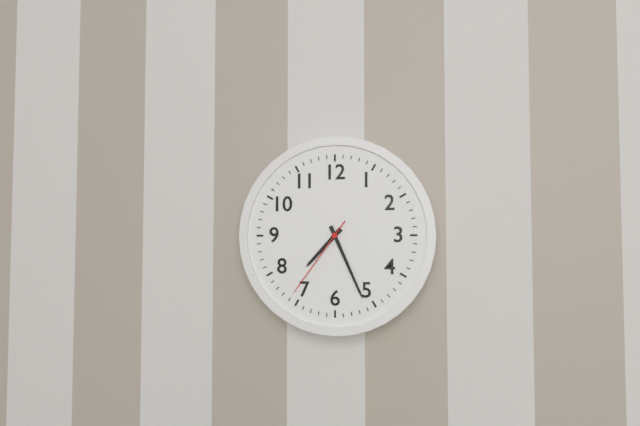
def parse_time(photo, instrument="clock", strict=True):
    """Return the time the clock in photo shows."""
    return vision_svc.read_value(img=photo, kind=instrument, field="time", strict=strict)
7:26:36
